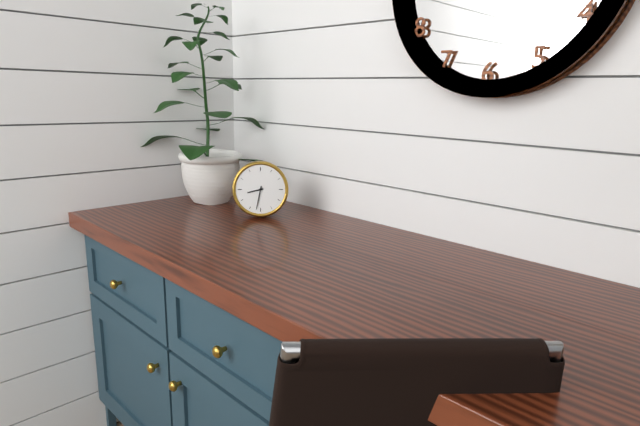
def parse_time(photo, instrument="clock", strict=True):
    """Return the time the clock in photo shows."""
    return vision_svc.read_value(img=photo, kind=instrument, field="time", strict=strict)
8:32
